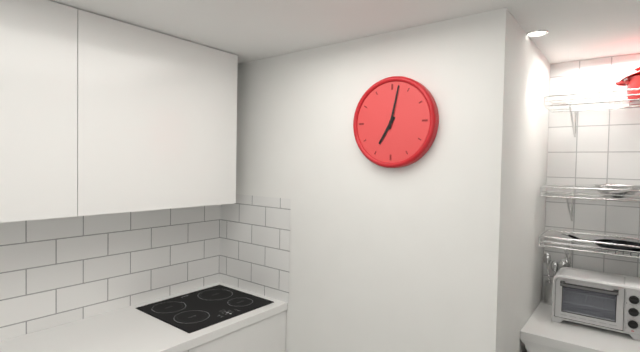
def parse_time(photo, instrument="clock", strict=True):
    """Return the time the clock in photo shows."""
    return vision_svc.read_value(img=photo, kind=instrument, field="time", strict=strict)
7:02
